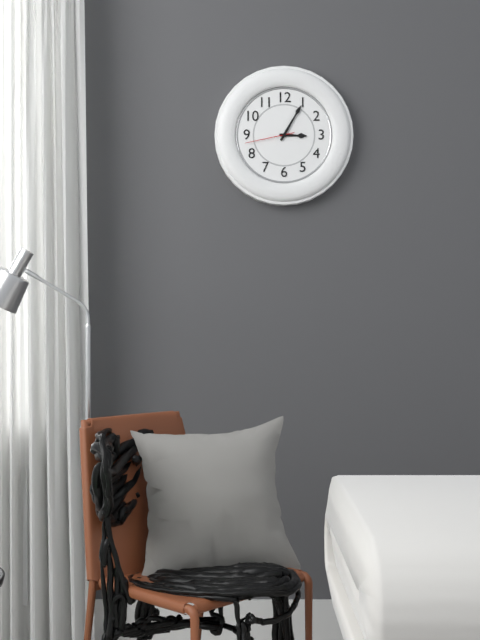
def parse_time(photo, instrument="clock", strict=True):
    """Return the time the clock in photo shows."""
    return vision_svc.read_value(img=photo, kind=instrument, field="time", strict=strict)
3:05
